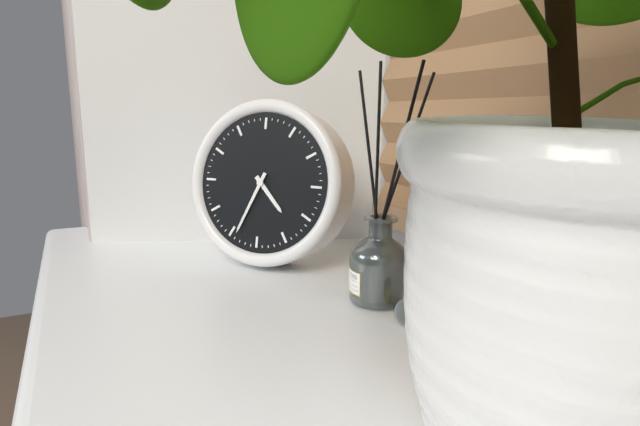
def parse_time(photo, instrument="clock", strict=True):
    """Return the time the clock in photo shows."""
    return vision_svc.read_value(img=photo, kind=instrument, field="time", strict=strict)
4:34
